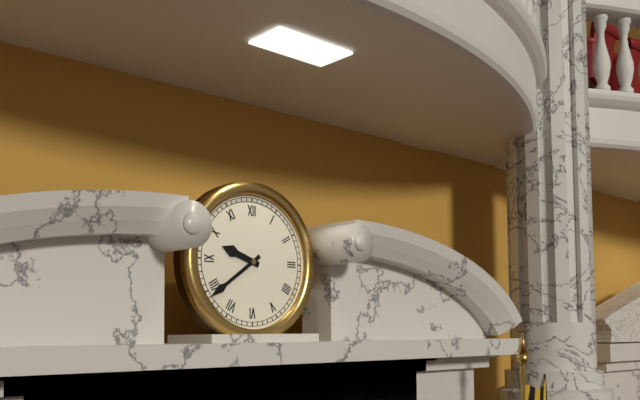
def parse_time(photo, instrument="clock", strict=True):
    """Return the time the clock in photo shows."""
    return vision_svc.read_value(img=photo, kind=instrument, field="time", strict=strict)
9:39
